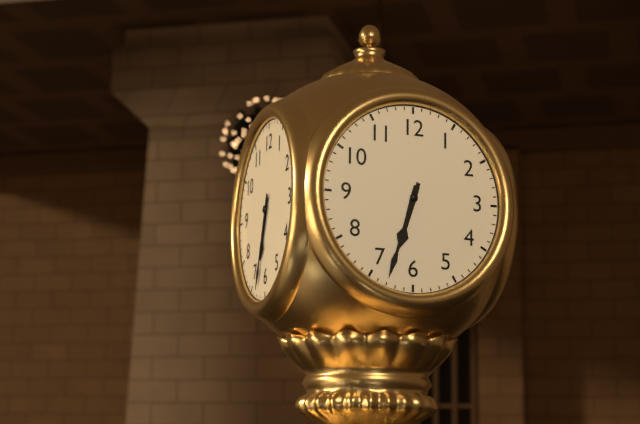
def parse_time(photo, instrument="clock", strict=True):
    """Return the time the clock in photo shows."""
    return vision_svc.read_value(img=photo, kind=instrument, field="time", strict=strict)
6:33
